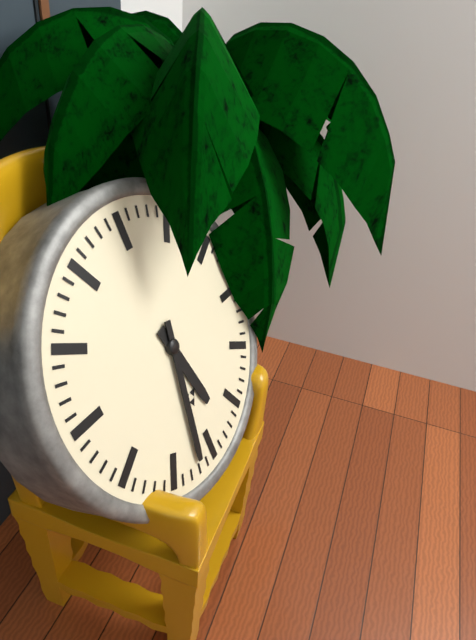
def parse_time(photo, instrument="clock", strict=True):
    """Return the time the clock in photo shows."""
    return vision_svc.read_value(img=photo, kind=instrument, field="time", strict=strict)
5:32
